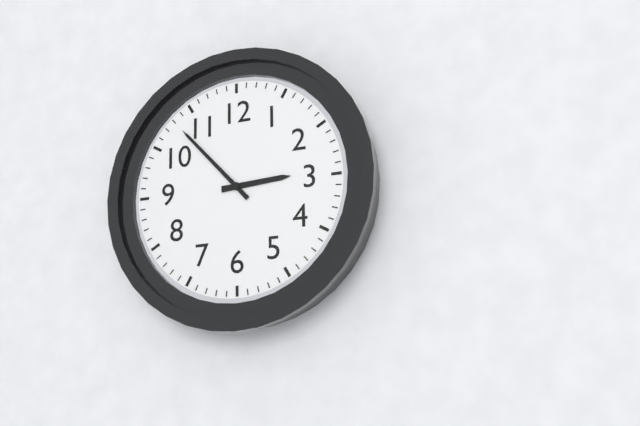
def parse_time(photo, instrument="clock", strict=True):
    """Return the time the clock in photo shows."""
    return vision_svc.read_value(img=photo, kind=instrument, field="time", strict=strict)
2:53
